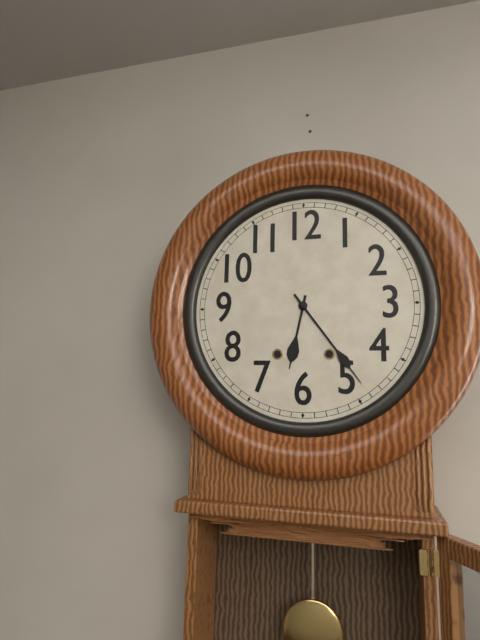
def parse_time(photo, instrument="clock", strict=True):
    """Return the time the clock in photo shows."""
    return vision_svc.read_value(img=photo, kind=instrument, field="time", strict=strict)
6:24
